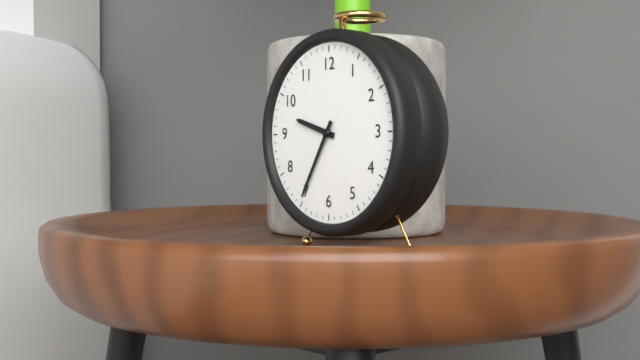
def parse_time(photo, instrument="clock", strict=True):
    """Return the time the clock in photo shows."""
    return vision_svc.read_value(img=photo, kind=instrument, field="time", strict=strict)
9:35
